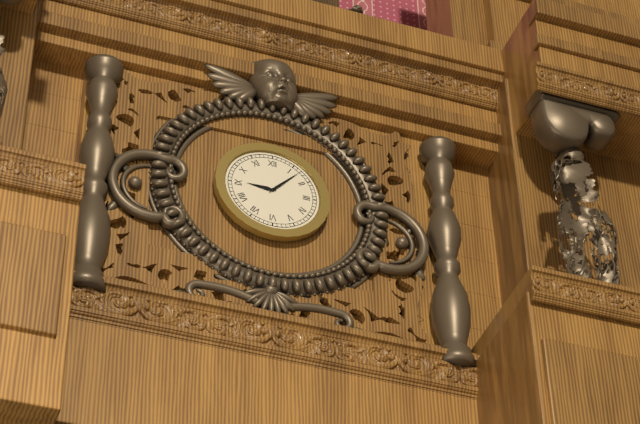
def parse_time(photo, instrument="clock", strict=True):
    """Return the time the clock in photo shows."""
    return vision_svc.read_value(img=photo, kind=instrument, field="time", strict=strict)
9:07
